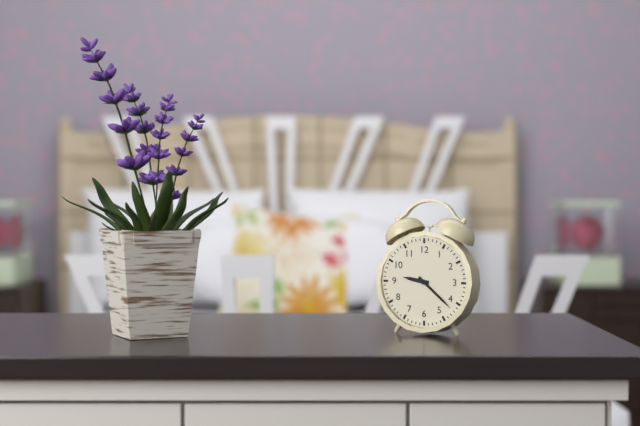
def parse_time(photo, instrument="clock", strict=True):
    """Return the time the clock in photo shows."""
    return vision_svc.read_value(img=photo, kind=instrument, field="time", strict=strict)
9:22
